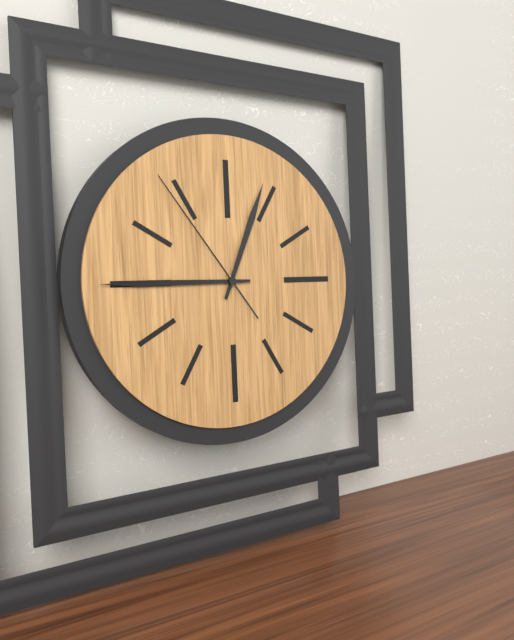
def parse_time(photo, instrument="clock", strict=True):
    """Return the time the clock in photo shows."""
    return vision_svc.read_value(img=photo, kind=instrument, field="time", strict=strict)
12:45:54
